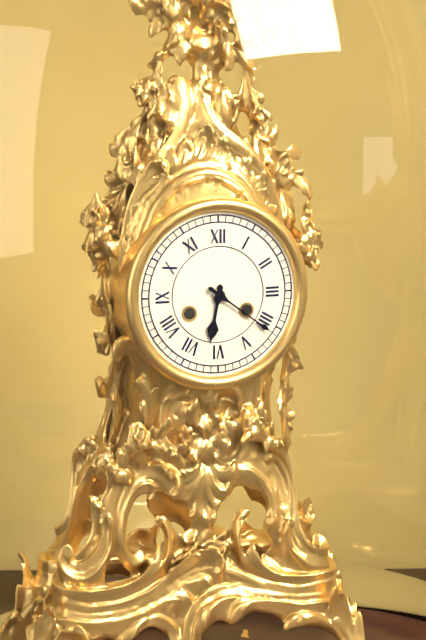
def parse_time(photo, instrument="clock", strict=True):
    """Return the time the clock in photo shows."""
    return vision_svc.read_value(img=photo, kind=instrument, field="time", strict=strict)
6:21
